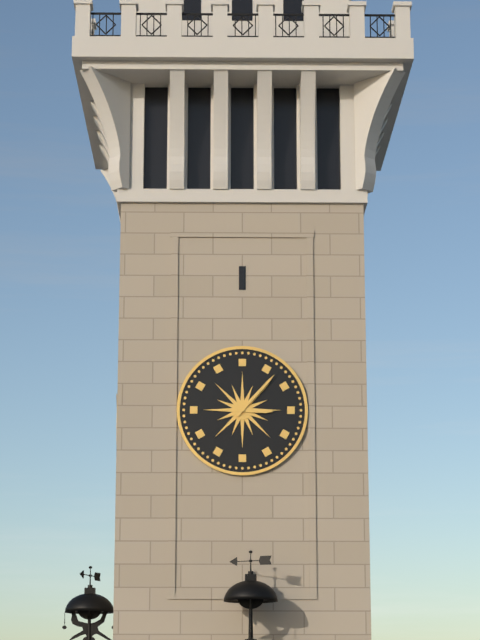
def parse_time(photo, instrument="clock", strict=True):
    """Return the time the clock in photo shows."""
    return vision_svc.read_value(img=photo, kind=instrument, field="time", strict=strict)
3:07
